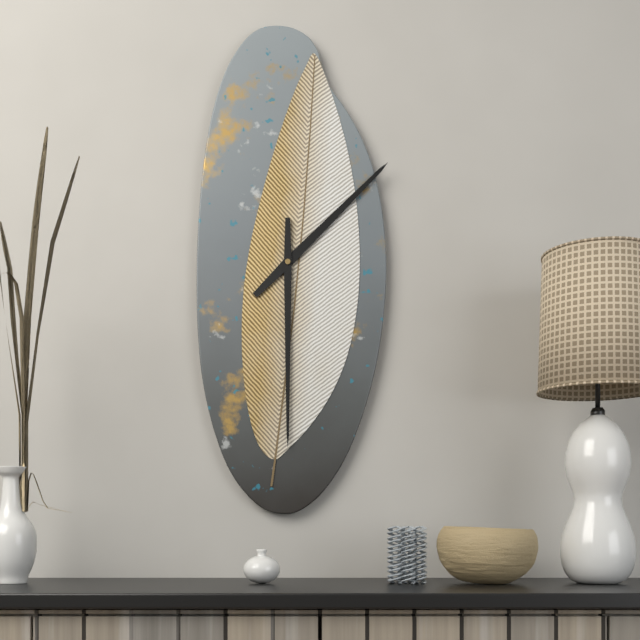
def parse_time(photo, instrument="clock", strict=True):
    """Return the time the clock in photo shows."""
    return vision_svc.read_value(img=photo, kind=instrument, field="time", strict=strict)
1:30
